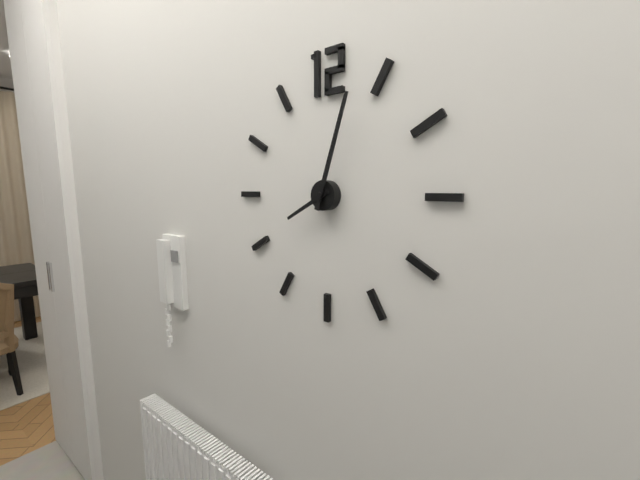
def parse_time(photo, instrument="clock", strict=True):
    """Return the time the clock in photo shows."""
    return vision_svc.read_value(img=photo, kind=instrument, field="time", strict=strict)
8:03
